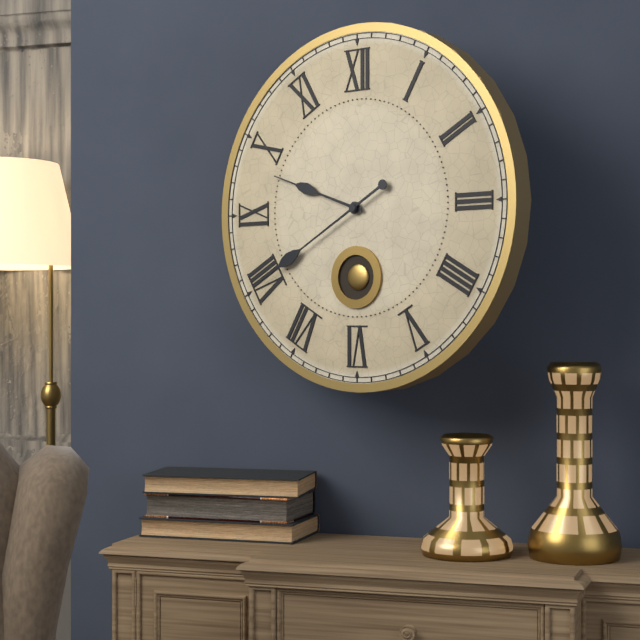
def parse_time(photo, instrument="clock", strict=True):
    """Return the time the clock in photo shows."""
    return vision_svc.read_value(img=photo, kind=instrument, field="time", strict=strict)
9:40
